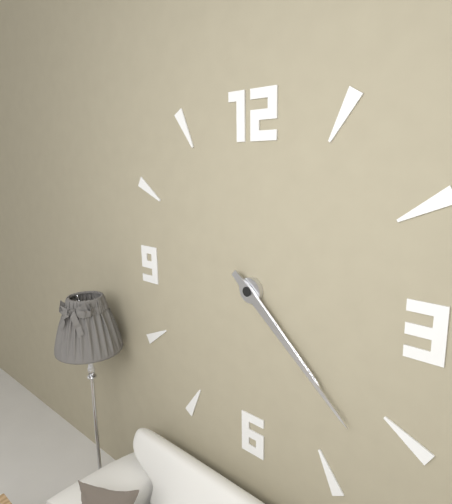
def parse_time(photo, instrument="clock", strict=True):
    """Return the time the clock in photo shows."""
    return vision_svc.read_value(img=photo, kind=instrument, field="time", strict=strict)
4:22
